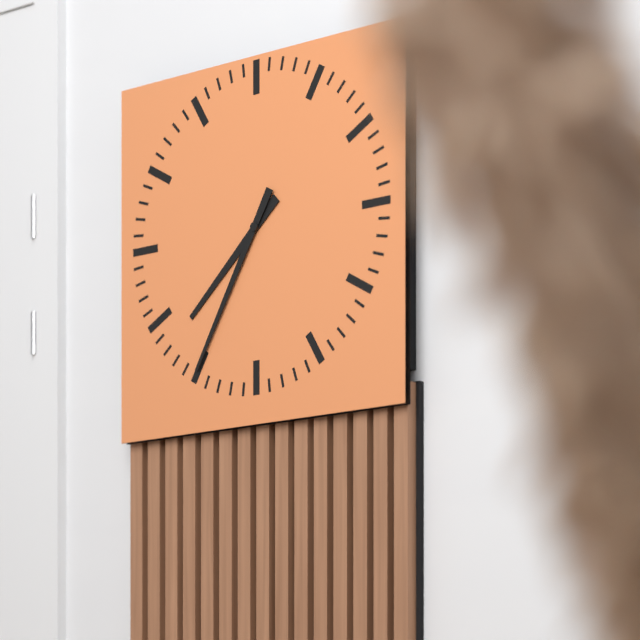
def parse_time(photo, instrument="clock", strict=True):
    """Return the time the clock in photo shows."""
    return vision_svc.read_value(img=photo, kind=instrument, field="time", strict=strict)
7:35
